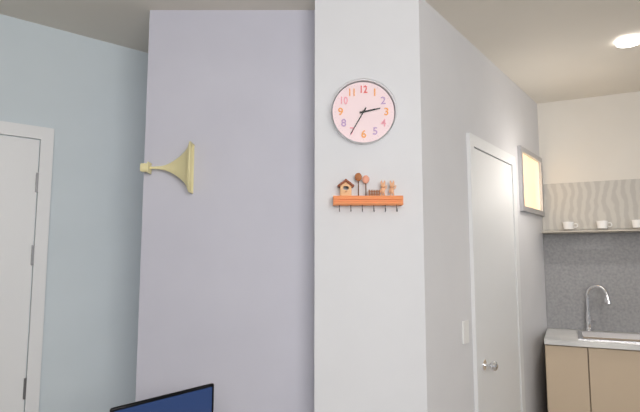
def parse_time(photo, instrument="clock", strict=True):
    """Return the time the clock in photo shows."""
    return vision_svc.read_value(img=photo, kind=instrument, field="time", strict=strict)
2:35
